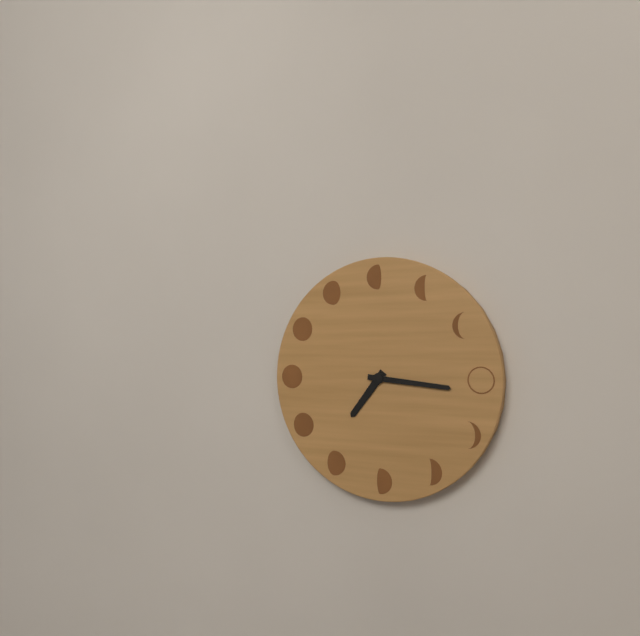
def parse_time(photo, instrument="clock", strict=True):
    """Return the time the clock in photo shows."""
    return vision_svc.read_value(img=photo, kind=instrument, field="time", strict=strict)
7:16
